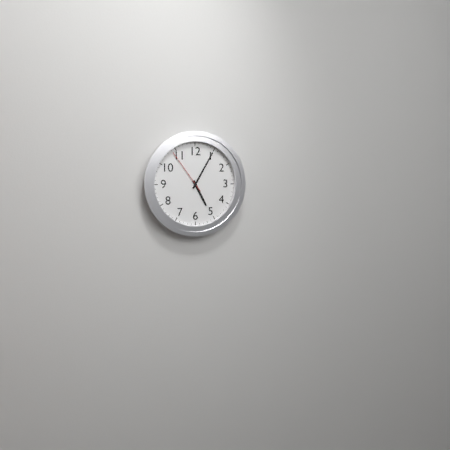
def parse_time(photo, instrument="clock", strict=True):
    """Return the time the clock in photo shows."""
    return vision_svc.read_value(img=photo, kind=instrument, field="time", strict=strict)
5:05
